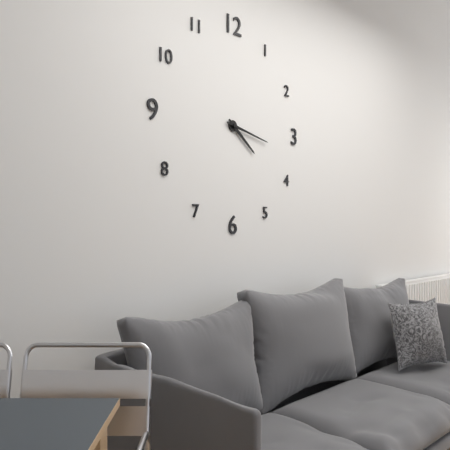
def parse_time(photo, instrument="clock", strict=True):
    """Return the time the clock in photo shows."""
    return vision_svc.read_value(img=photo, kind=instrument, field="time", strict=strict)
4:17
